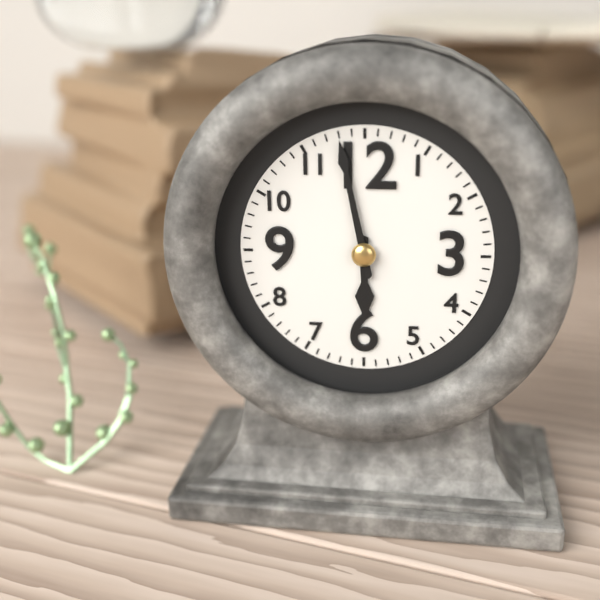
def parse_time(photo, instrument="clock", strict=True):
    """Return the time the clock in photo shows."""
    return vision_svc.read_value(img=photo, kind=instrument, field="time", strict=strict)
5:58
